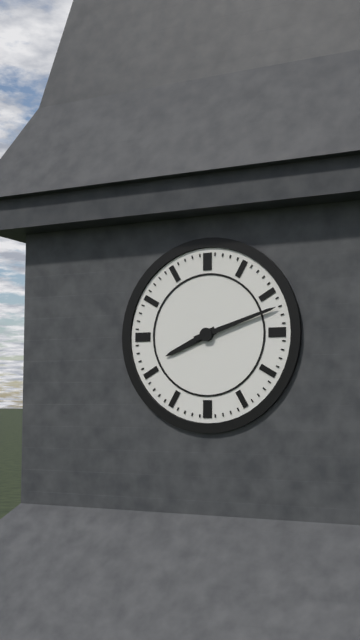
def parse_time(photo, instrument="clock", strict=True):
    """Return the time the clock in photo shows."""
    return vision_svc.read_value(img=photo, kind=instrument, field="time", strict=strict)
8:12
